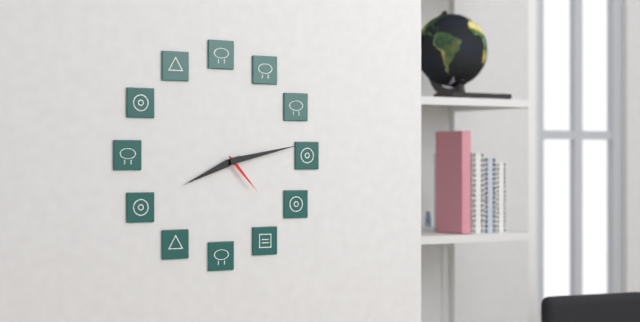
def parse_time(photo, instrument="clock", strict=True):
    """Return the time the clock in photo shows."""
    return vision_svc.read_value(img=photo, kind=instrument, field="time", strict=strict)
8:13:23
